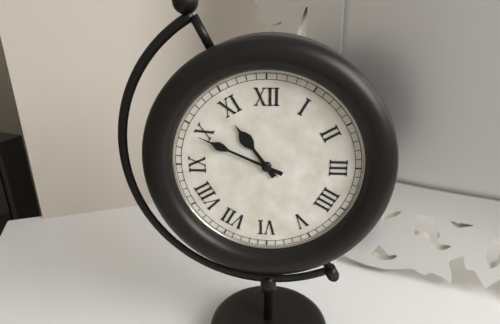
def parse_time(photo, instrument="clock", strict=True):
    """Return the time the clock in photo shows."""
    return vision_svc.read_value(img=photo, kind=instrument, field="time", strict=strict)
10:49
